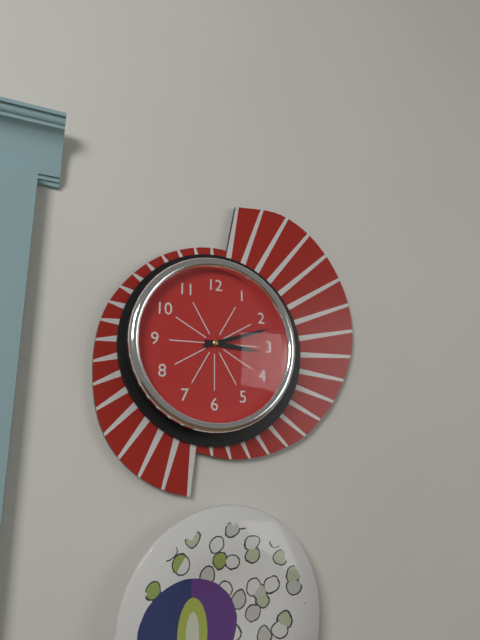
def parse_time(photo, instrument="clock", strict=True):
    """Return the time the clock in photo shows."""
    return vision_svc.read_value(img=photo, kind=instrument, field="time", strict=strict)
3:12
